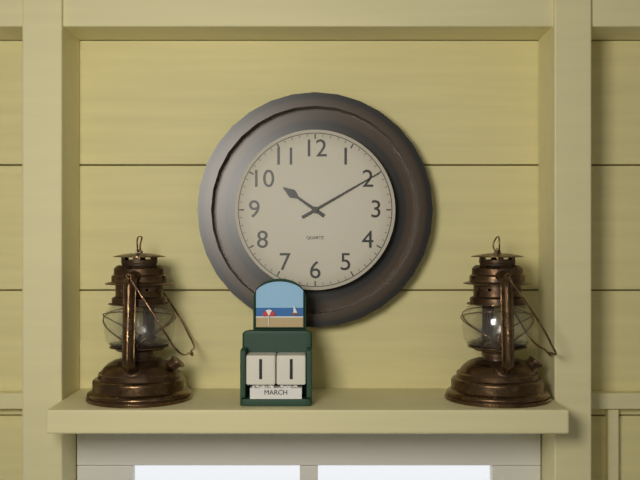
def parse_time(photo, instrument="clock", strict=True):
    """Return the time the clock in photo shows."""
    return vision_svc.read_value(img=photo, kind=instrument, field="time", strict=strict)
10:10
